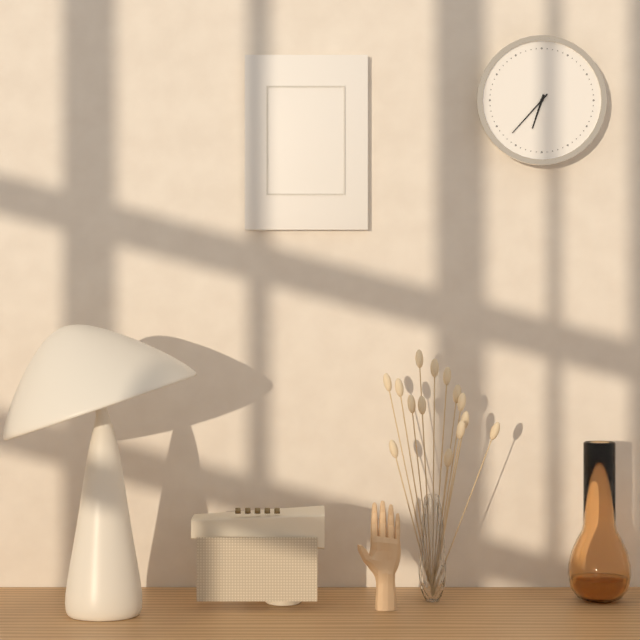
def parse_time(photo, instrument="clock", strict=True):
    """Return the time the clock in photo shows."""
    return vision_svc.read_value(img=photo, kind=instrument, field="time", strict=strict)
6:37
